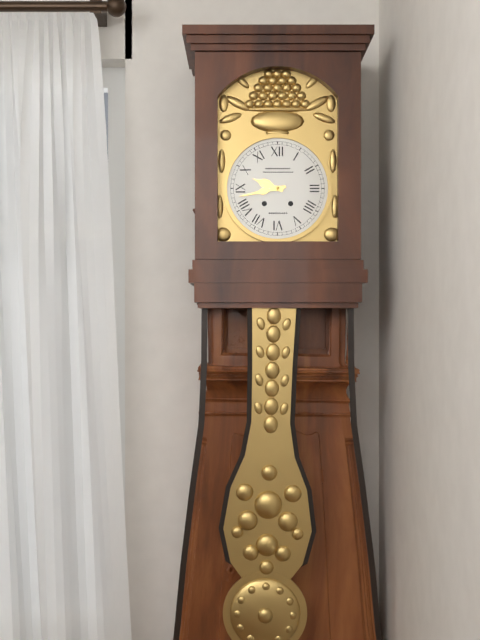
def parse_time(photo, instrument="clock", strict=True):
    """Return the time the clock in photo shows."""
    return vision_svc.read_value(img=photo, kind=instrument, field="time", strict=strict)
9:43
